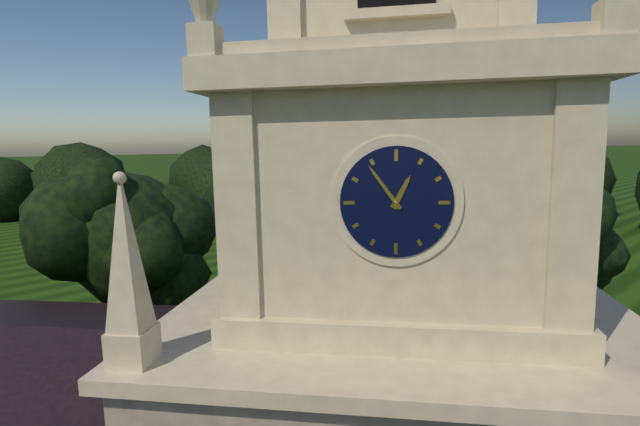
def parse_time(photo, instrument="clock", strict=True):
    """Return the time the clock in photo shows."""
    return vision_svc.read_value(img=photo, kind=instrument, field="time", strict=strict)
12:54
